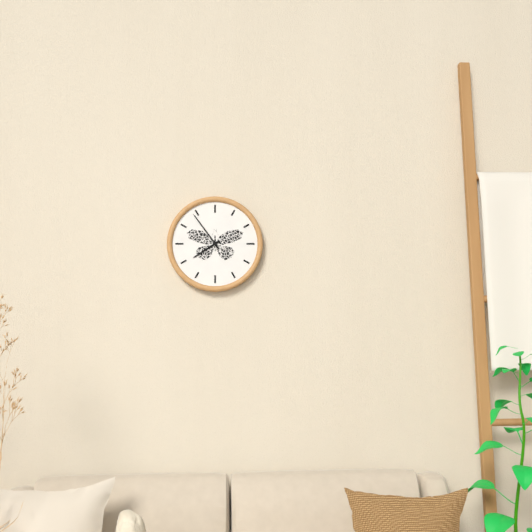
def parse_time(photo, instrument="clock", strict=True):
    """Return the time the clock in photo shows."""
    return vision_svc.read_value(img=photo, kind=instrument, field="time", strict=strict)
7:54
